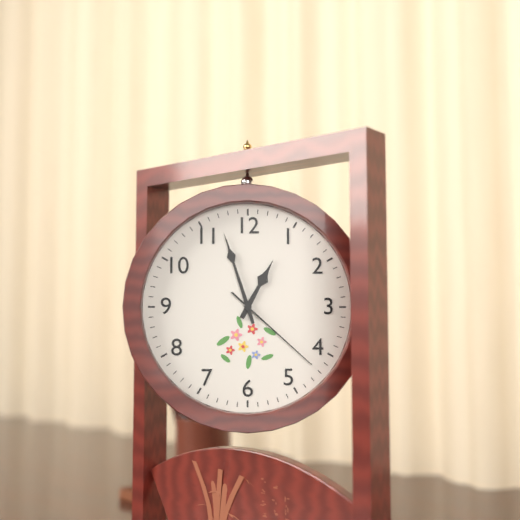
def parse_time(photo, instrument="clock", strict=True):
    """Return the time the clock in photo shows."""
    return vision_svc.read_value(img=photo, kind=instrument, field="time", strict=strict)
12:57:22
